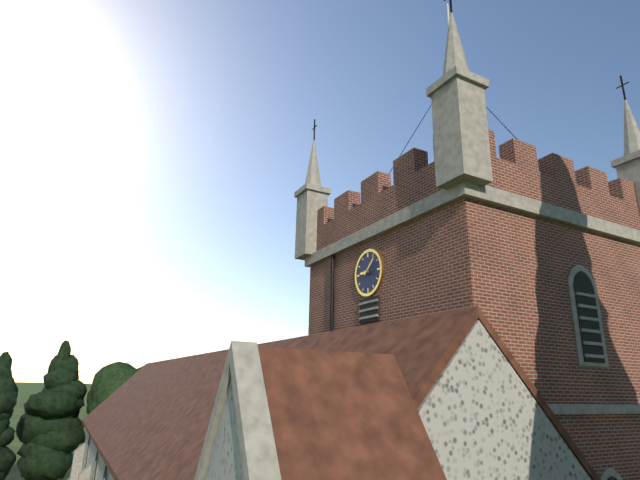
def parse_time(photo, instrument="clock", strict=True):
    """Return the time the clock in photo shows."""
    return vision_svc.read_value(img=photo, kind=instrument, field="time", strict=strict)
9:08
